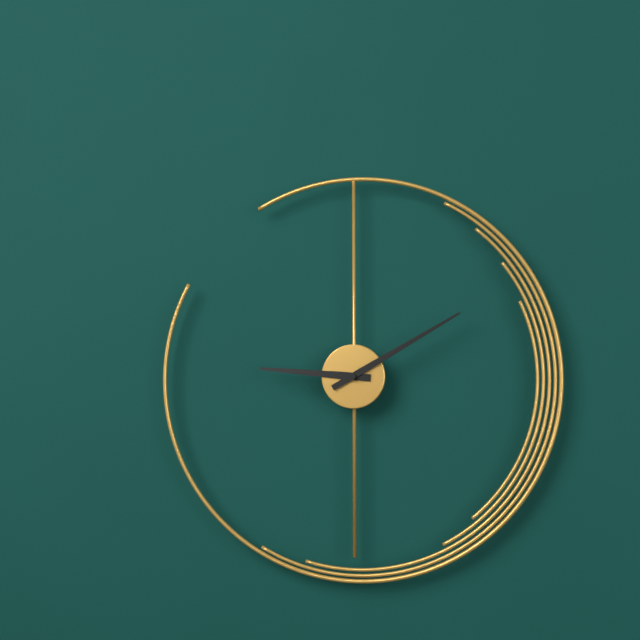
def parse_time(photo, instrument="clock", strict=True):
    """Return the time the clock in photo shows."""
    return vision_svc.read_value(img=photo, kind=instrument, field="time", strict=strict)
9:10
